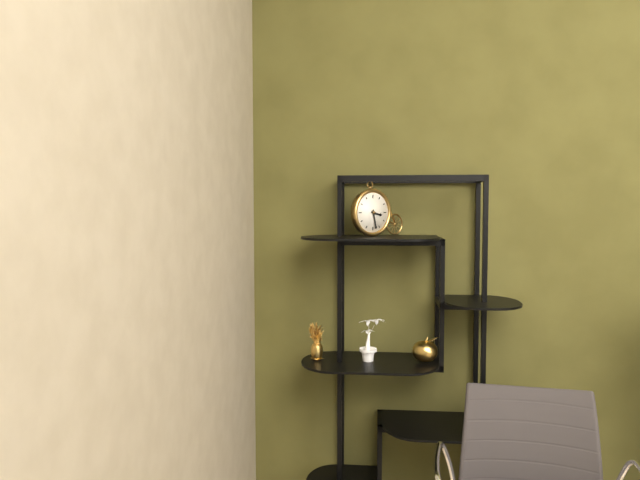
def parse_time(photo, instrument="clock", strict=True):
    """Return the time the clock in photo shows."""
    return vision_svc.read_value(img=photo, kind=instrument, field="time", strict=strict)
3:28
